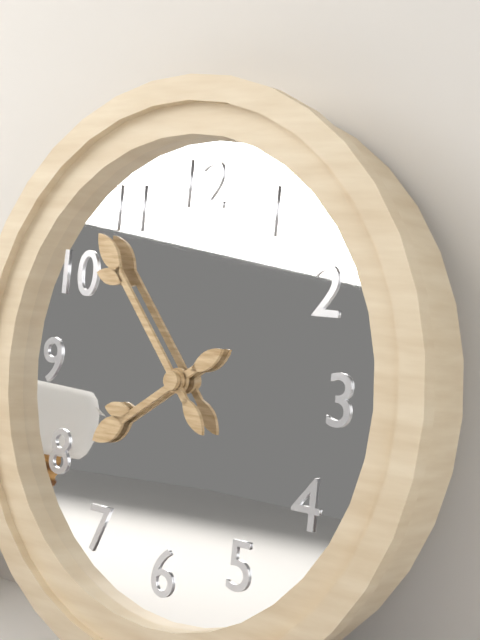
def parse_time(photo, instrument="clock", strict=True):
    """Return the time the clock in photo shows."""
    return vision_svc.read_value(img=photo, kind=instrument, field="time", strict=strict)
7:53
